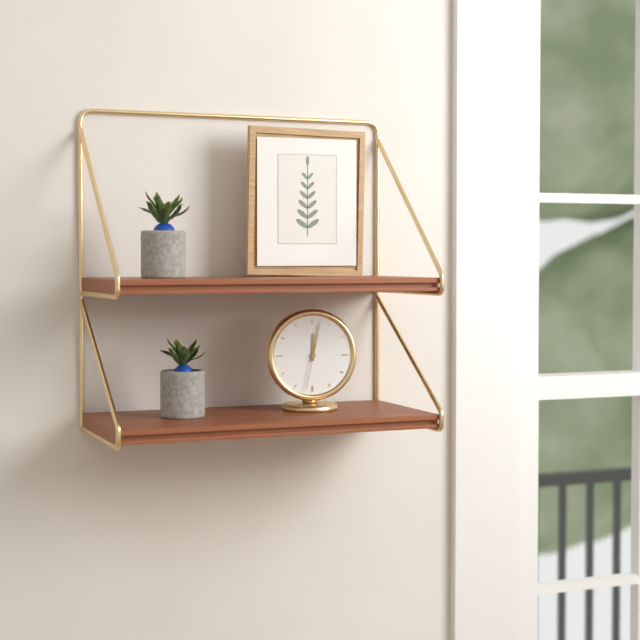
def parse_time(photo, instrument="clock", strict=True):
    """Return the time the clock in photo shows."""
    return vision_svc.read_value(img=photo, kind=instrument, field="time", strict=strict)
12:02
